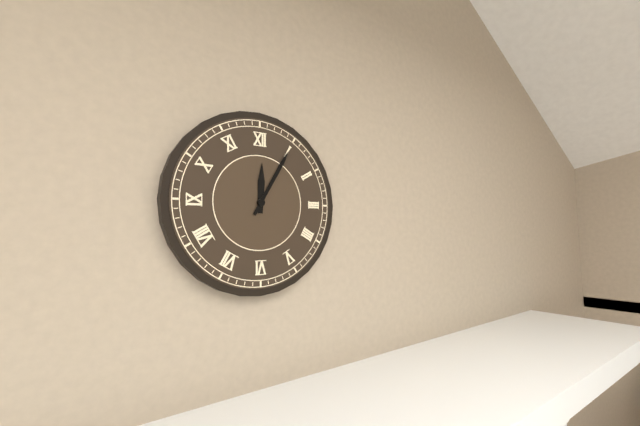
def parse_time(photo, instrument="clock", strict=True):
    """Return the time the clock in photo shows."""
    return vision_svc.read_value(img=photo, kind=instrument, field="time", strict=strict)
12:05
